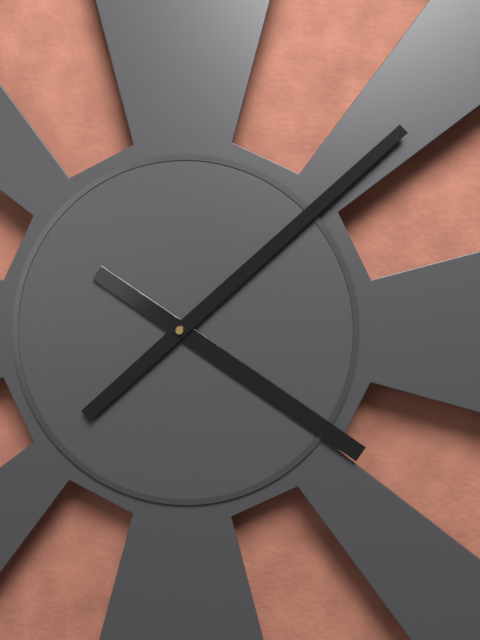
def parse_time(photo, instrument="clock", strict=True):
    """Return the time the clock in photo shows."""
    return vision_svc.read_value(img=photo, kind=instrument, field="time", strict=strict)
4:08
